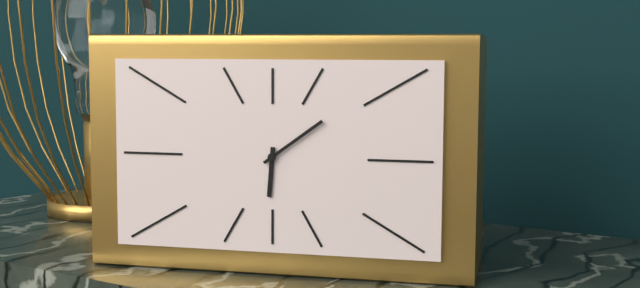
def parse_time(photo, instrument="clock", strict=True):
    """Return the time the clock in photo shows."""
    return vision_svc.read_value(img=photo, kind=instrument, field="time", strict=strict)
6:09
